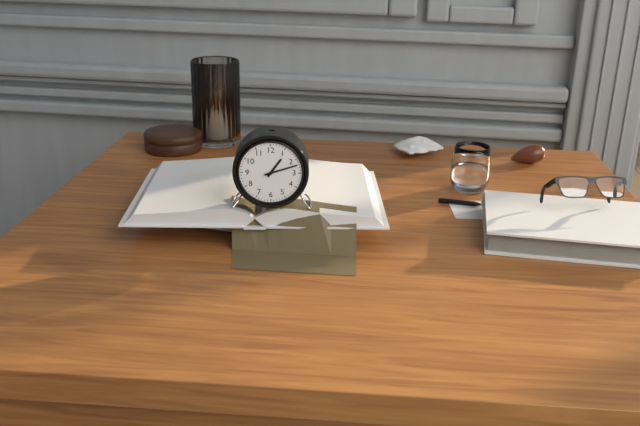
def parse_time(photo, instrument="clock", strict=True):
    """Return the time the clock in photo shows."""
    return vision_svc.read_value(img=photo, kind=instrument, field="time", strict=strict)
1:12
